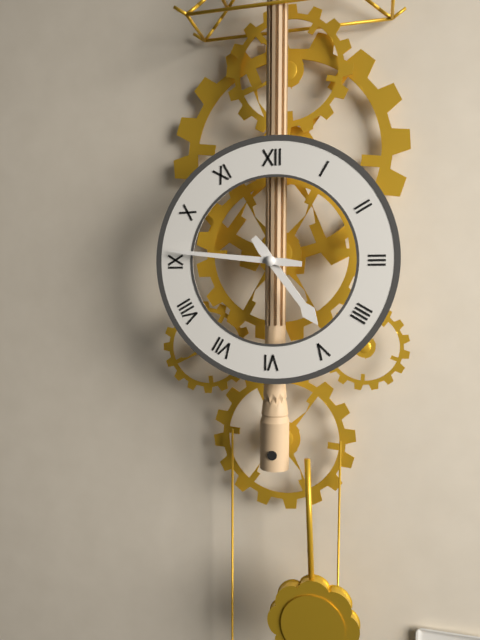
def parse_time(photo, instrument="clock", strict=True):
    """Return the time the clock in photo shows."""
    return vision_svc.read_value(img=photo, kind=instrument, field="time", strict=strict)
4:46
